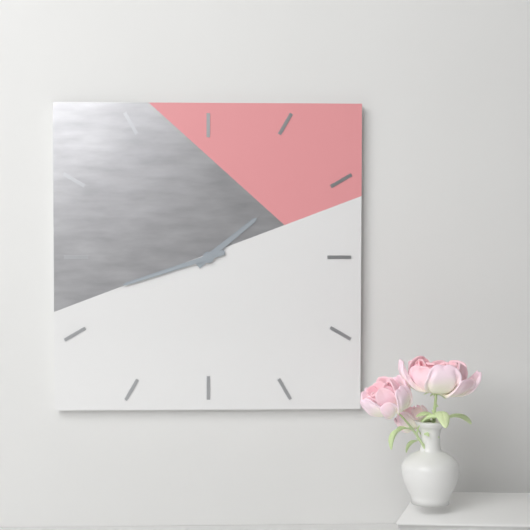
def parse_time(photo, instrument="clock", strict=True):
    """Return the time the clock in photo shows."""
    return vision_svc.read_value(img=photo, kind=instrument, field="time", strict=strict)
1:42
